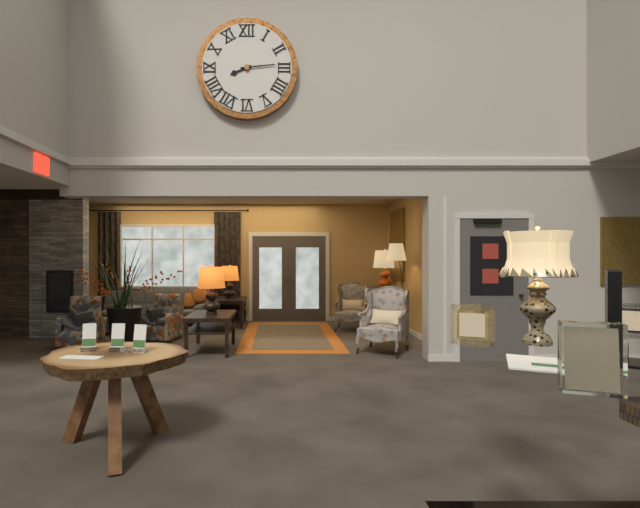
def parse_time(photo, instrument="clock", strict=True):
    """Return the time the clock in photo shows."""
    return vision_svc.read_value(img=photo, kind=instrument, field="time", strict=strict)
8:14
